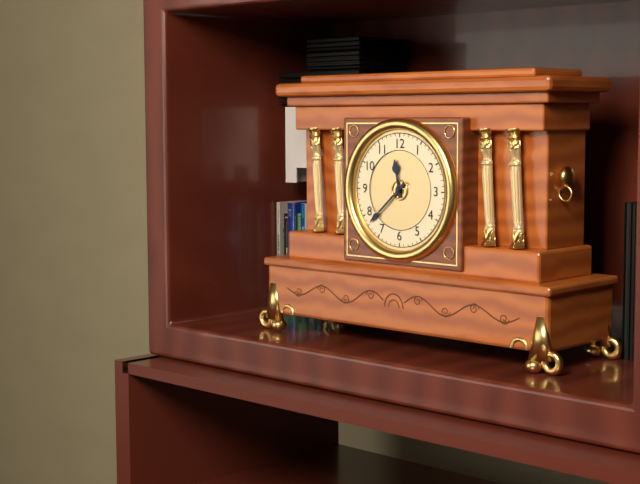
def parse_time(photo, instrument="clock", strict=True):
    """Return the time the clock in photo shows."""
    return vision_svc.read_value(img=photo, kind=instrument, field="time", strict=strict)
11:38
